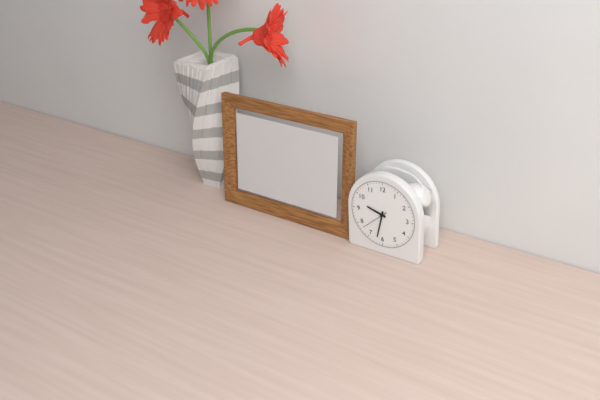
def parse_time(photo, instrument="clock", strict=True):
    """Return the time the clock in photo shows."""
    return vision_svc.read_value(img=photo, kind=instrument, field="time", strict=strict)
9:32
